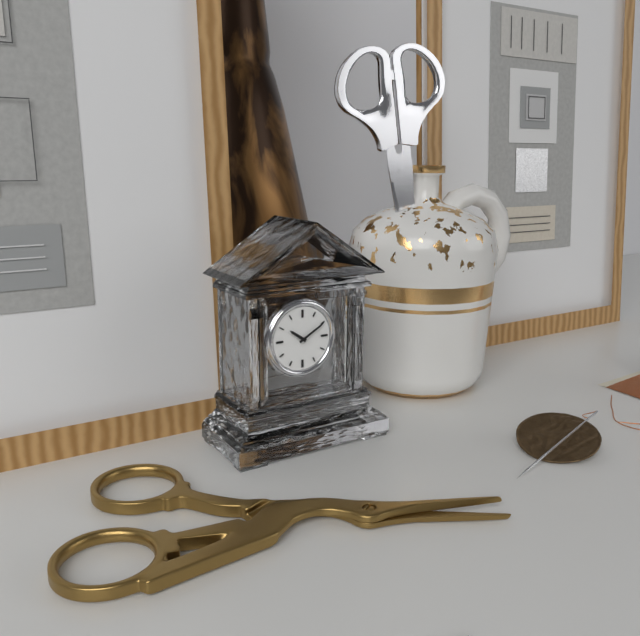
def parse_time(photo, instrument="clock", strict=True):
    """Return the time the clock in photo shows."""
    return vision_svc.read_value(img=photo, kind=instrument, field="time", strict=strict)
10:10
